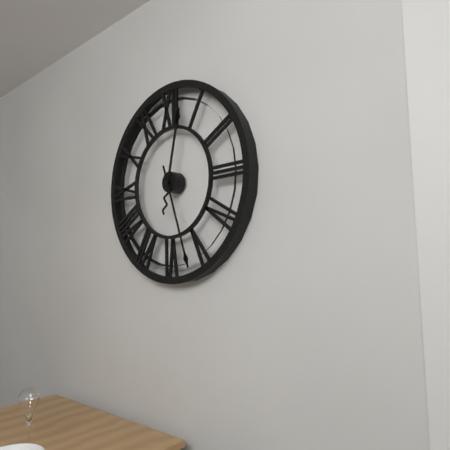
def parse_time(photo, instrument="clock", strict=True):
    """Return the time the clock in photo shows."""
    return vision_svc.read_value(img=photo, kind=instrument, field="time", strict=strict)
12:27
